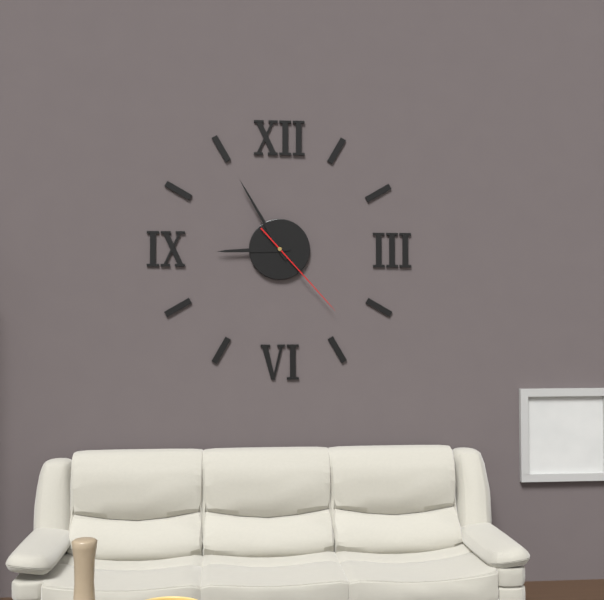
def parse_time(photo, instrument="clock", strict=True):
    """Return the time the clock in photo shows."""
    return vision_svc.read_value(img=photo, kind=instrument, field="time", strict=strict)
8:55:23
